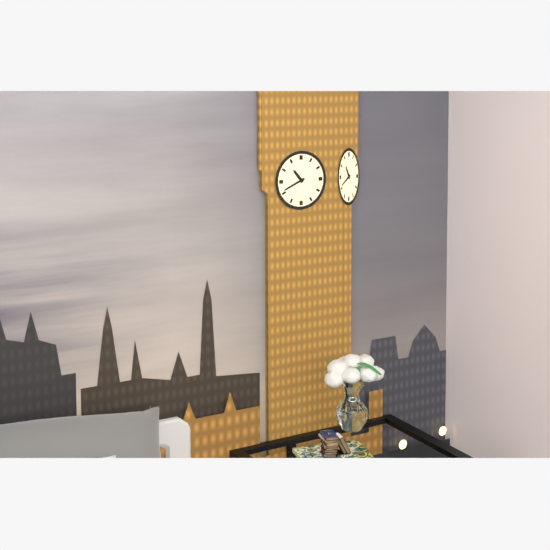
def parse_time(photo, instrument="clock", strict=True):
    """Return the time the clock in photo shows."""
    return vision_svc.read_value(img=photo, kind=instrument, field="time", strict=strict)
10:41
